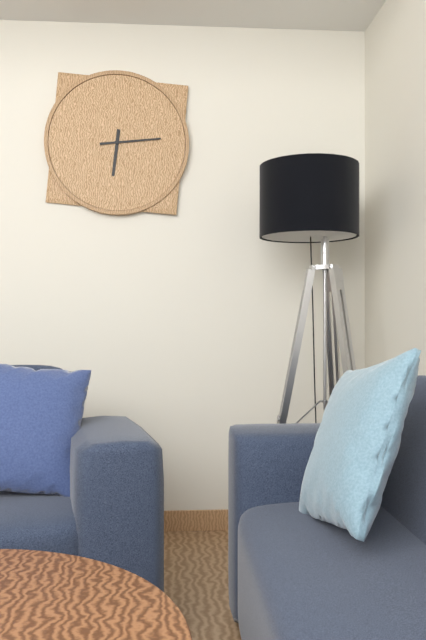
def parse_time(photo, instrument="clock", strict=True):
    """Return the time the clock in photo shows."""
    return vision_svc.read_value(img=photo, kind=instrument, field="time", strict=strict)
6:14
